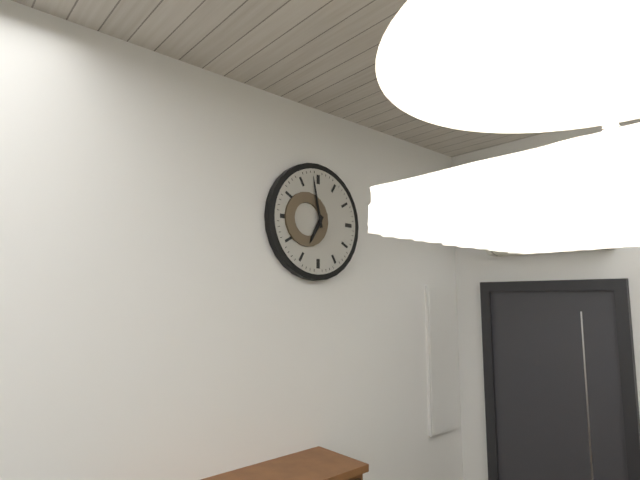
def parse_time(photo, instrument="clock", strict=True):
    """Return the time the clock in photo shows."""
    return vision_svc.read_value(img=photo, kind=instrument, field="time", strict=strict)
6:58
